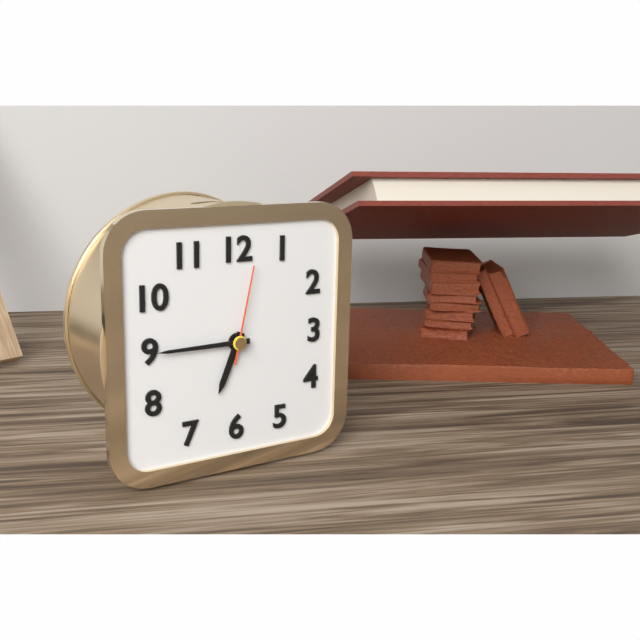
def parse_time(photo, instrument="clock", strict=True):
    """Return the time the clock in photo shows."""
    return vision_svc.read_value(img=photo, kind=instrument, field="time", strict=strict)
6:45:02
